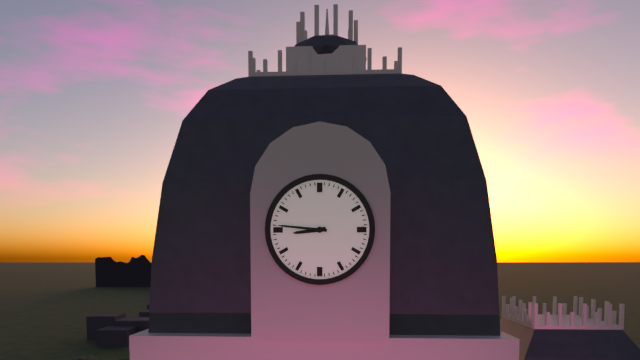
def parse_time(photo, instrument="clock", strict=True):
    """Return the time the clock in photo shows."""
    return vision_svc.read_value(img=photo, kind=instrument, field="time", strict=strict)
8:46
